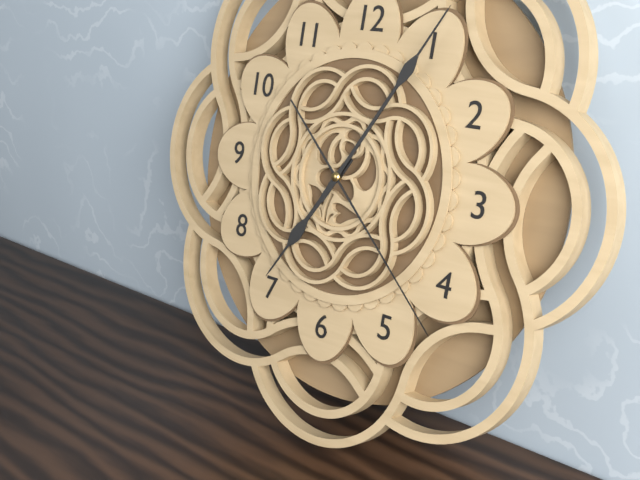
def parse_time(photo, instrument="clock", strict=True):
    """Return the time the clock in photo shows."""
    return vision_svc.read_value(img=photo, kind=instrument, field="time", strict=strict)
7:05:22
